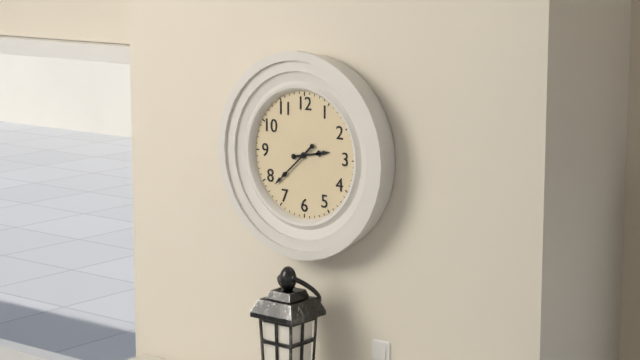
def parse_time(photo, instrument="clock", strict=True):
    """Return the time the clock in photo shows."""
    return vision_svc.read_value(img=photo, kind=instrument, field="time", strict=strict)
2:38
